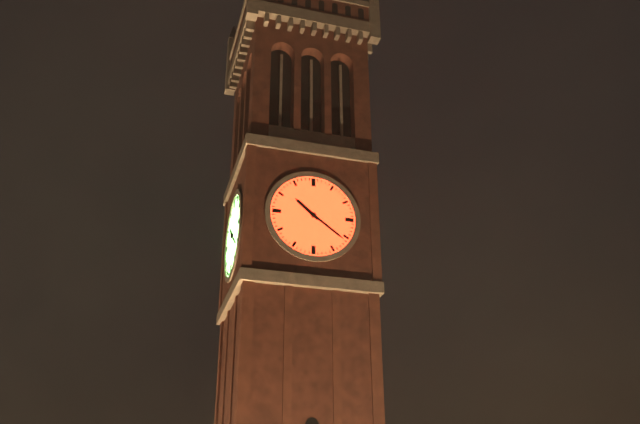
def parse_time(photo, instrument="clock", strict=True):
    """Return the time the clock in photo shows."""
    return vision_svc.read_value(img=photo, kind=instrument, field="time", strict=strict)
10:21
